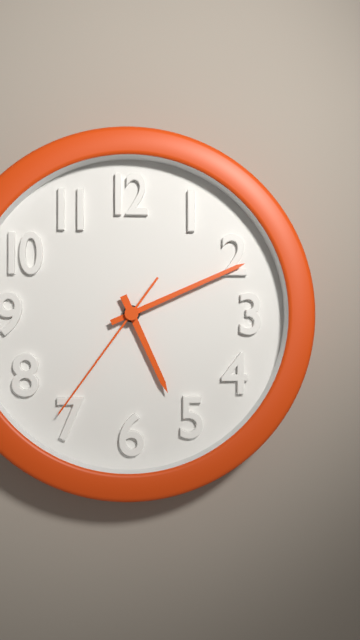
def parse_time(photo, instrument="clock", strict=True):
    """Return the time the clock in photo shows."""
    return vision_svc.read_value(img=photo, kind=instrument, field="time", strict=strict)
5:11:36
